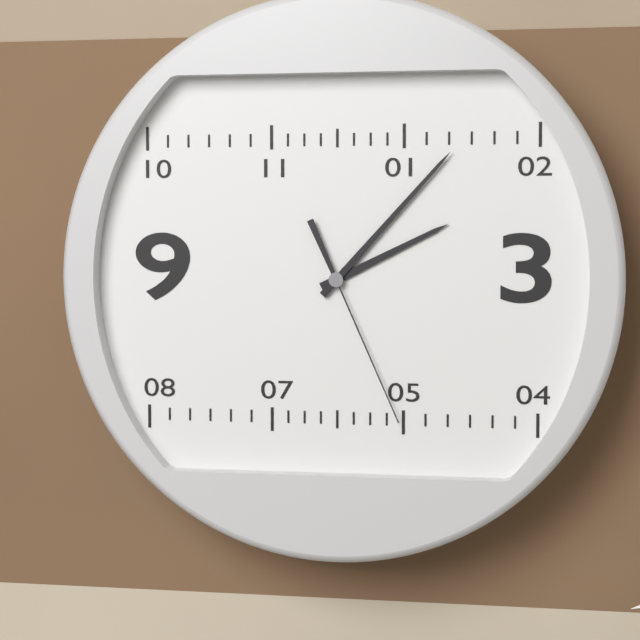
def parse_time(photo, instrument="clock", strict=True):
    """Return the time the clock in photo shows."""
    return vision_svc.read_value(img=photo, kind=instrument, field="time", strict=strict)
2:07:26
